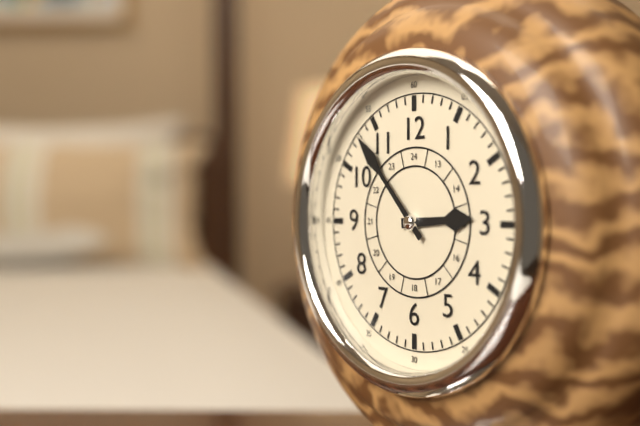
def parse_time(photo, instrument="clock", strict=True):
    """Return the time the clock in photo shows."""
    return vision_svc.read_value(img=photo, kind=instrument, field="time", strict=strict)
2:53
